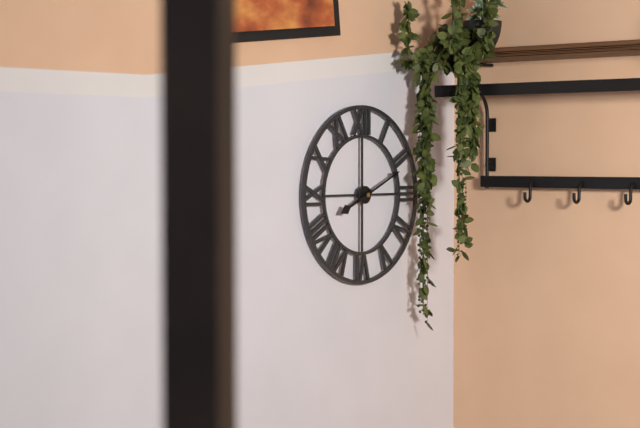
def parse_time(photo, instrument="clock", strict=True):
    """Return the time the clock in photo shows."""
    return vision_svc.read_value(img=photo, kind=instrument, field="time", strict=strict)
8:11
